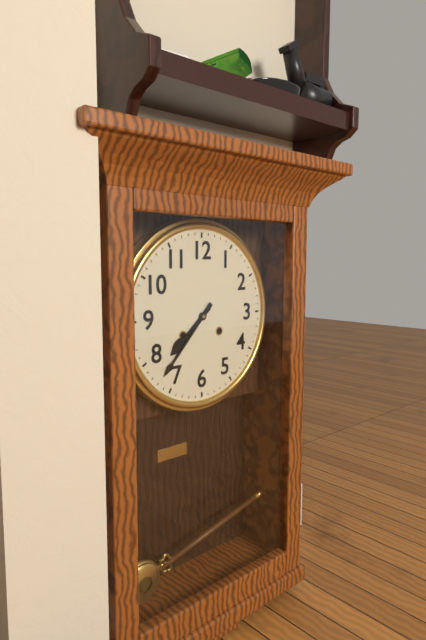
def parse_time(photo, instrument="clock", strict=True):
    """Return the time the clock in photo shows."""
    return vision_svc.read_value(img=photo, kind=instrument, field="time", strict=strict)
7:37
